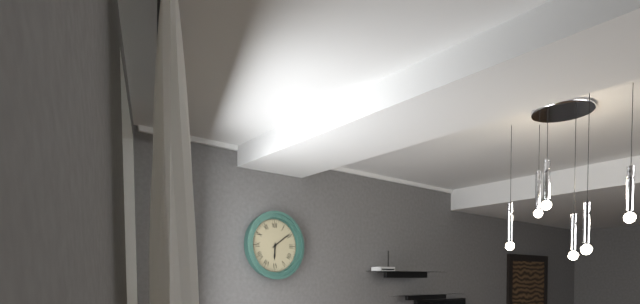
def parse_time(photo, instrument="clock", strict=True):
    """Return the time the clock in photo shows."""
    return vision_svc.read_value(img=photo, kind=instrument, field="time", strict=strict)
6:09
